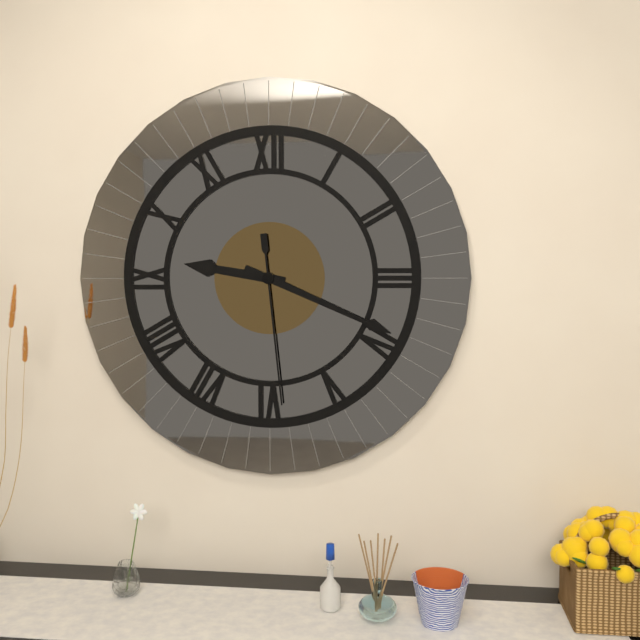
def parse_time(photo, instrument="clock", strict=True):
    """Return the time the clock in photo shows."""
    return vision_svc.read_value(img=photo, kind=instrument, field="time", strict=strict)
9:19:29
